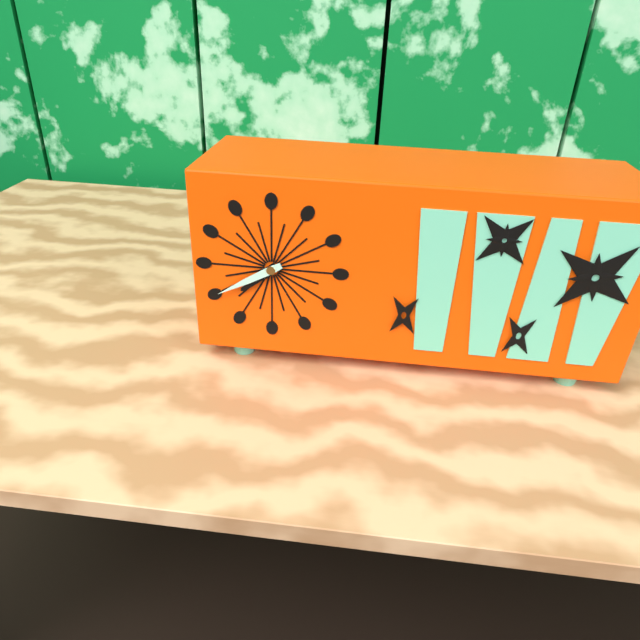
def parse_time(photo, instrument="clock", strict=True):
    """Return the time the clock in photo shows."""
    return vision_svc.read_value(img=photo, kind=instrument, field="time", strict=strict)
7:40
